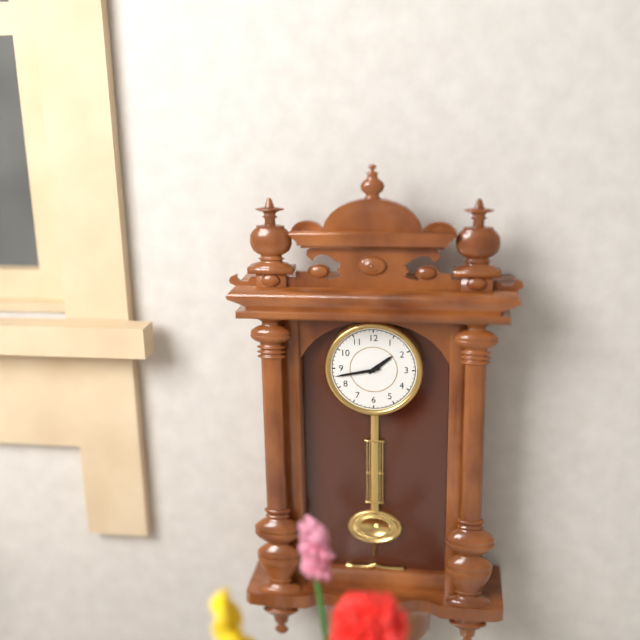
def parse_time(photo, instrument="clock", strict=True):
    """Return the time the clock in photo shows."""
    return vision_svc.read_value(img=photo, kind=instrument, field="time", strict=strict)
1:43
